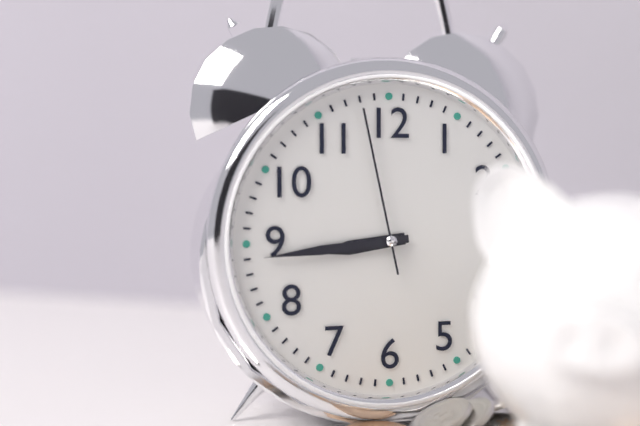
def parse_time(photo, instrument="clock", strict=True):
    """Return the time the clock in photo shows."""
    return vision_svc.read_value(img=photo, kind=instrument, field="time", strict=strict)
8:44:58
